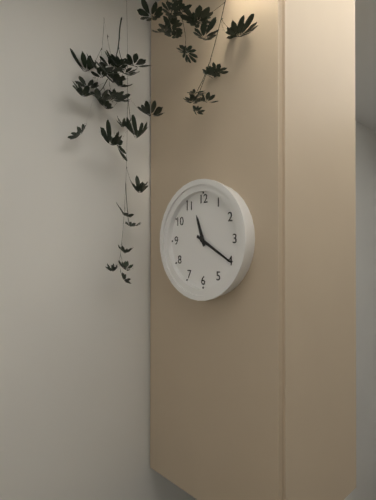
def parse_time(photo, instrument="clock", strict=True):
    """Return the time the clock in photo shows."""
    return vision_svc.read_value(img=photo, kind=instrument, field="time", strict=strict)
11:20
